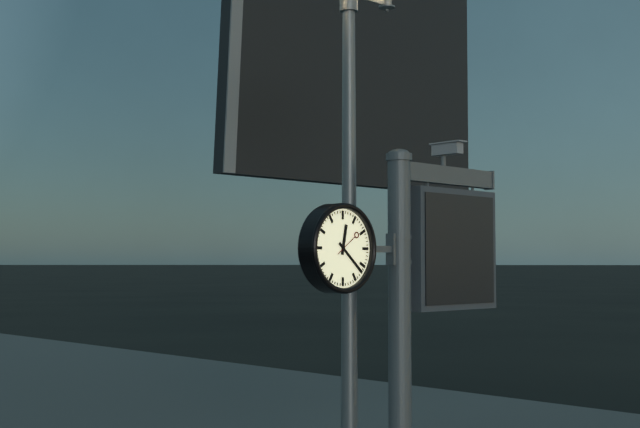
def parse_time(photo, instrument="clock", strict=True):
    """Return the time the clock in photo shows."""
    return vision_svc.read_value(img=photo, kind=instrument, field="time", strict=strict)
12:22
